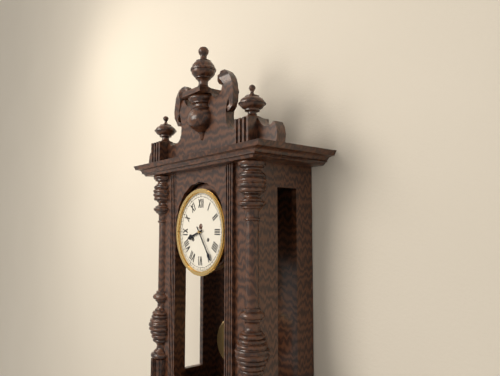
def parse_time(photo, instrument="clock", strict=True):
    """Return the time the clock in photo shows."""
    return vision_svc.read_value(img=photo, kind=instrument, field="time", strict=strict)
8:24
